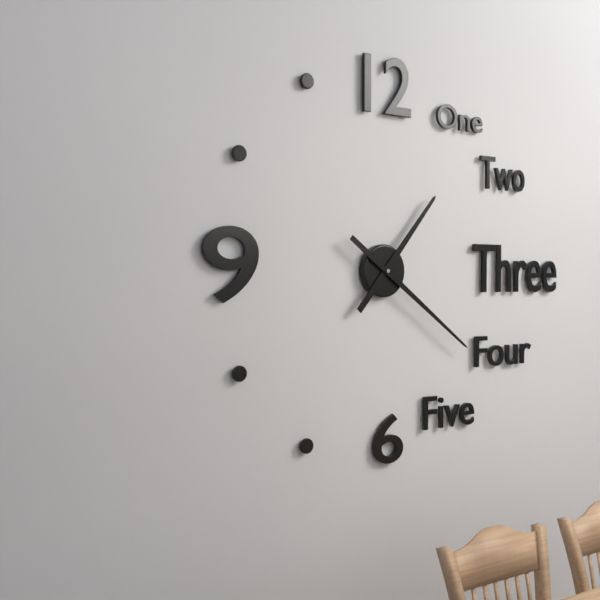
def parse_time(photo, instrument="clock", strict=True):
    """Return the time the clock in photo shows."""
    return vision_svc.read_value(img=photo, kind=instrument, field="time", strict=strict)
1:21
